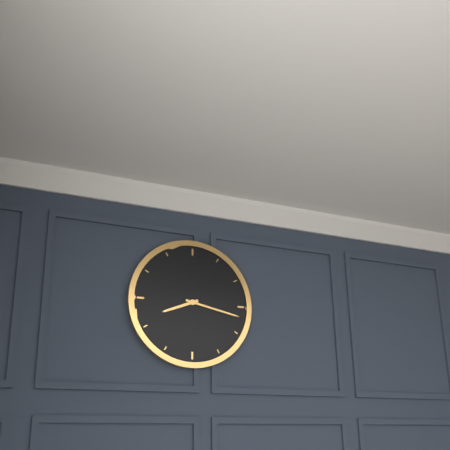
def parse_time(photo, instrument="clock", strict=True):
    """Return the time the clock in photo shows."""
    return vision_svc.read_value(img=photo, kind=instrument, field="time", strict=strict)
8:17
